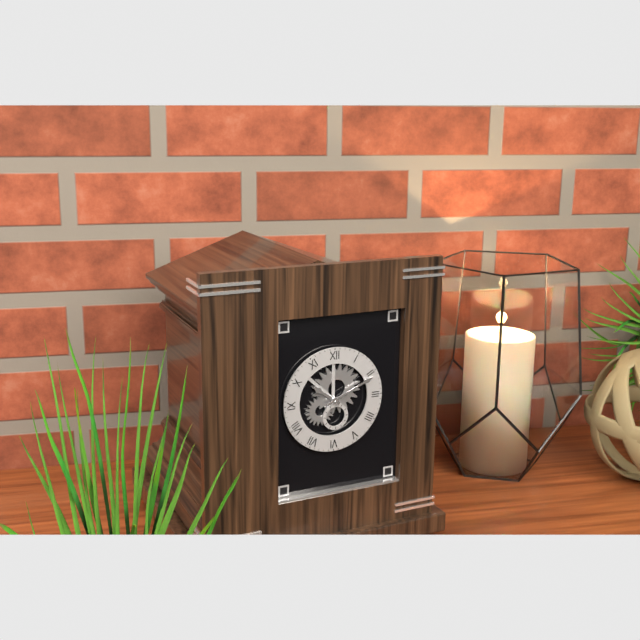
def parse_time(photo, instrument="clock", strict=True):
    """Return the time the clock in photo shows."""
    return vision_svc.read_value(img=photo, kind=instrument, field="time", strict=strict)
10:11
